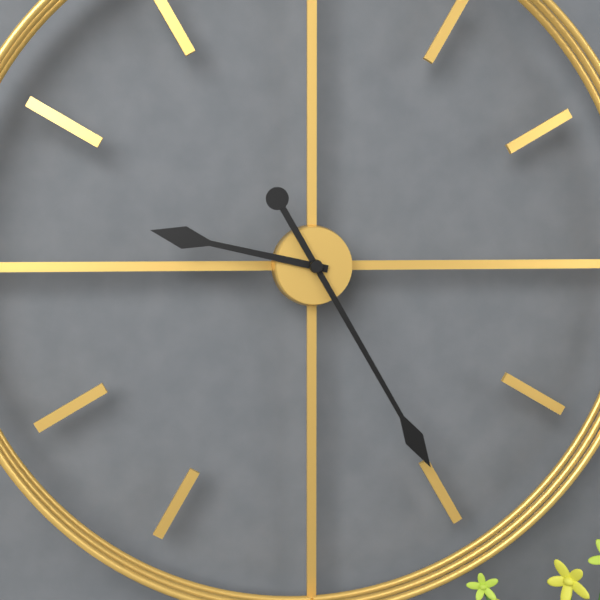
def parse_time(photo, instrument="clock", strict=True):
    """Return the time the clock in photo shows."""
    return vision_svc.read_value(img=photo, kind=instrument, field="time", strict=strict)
9:25
